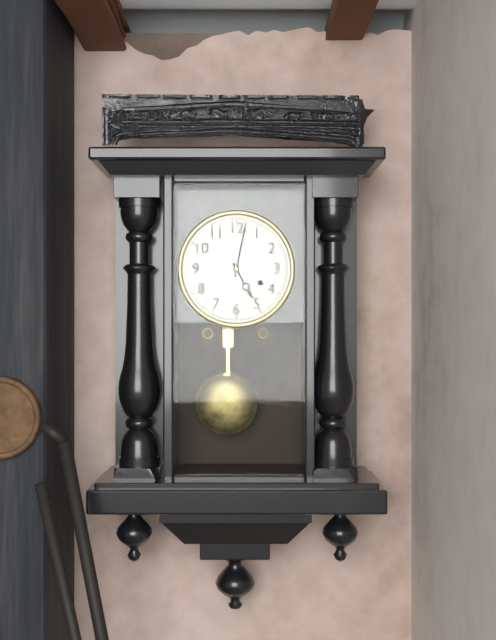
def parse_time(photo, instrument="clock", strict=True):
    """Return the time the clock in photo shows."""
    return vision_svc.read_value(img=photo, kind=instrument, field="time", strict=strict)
5:02
